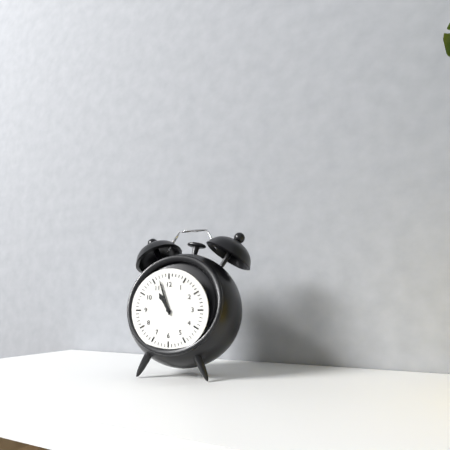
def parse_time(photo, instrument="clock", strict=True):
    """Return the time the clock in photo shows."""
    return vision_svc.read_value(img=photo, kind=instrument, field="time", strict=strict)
10:57
